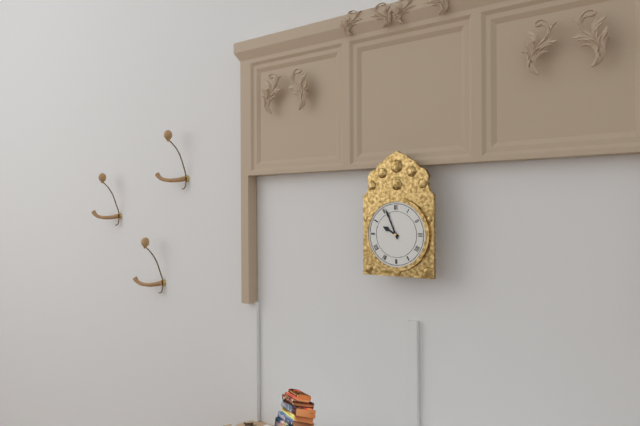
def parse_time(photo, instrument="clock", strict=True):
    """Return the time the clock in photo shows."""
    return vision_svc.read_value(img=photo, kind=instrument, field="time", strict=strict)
9:56
